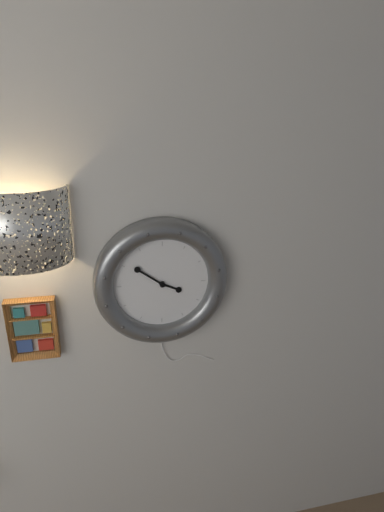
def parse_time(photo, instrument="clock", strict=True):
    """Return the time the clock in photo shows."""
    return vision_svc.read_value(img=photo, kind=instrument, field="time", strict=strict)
3:51
